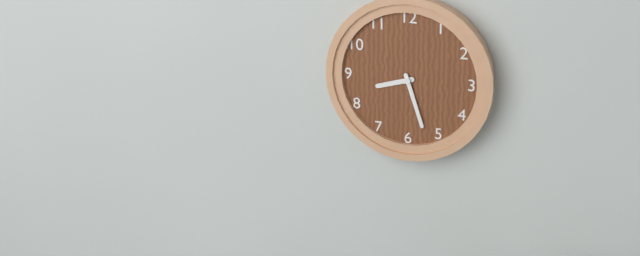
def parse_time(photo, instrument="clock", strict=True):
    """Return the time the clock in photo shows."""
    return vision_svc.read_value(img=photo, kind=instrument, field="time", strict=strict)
8:27
